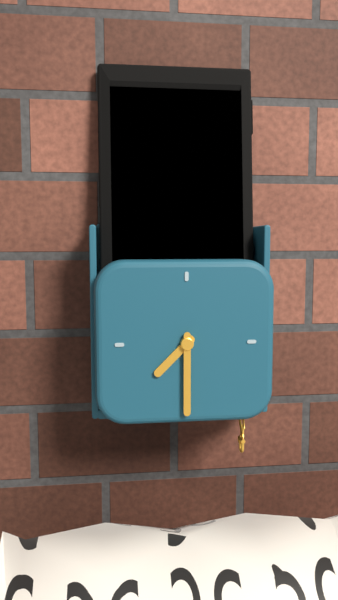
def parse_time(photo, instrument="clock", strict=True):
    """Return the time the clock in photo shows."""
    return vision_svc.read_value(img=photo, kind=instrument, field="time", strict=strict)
7:30
